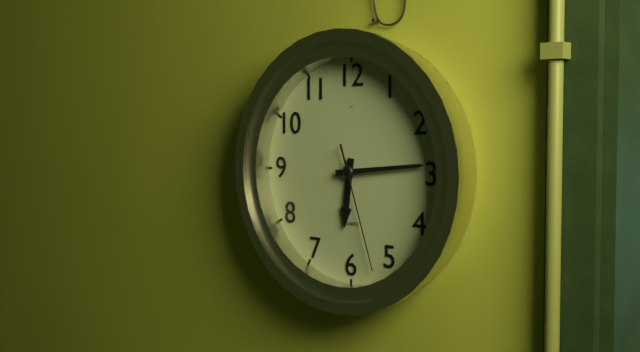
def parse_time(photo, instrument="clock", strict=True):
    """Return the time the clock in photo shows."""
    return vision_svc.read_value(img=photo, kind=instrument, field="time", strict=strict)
6:14:27
